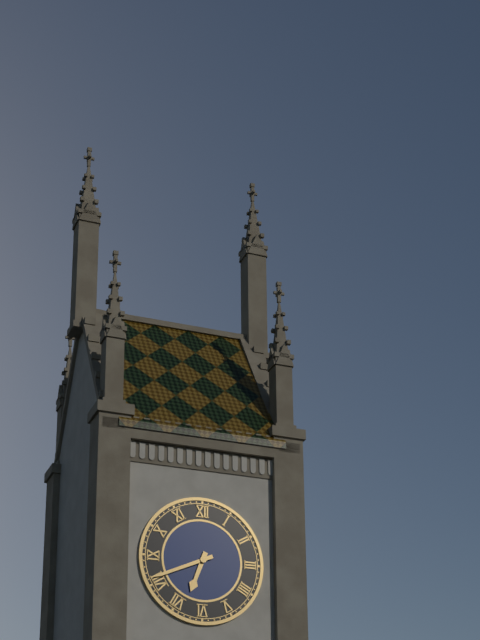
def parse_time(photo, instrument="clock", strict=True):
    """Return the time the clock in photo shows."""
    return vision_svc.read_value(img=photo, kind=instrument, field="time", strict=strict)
6:41
